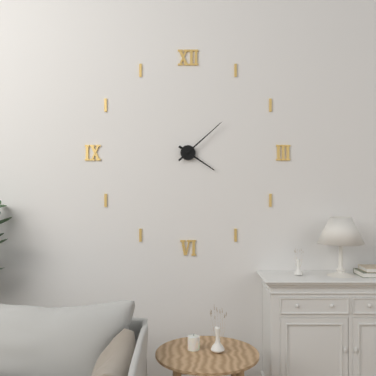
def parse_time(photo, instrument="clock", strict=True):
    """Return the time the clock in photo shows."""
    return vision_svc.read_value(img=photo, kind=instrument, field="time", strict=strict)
4:08
